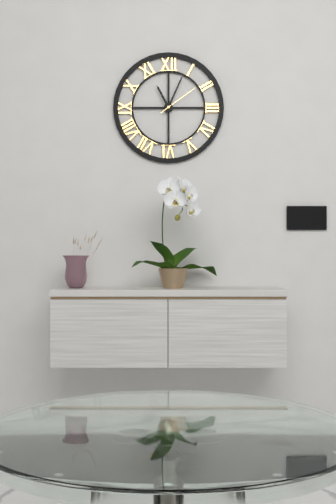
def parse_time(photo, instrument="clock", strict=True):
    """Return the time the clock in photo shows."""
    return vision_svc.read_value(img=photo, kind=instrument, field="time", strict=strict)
11:04
